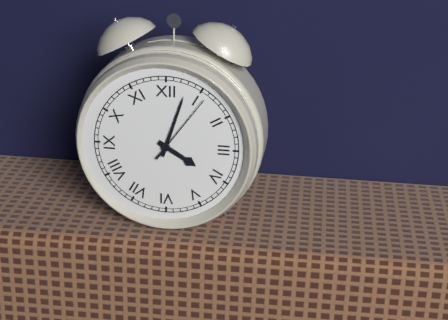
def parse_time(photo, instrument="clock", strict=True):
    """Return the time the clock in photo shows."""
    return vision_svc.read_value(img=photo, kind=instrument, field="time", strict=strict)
4:03:06
